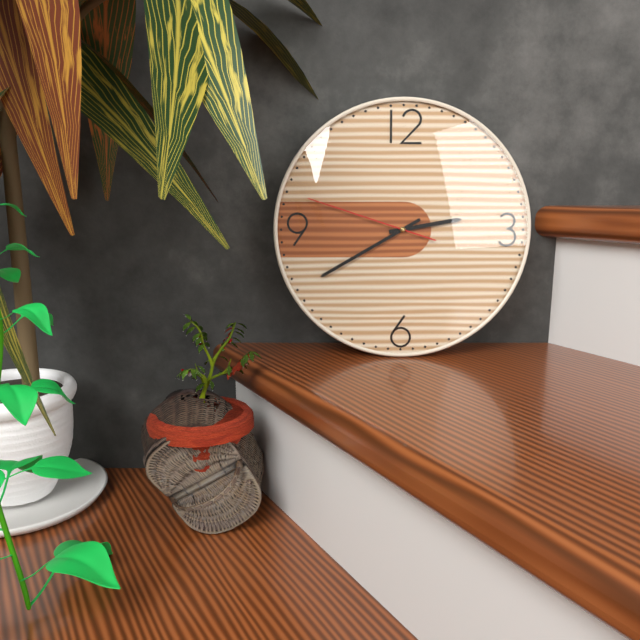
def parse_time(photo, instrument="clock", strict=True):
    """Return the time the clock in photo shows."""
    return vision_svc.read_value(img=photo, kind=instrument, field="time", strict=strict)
2:40:48
